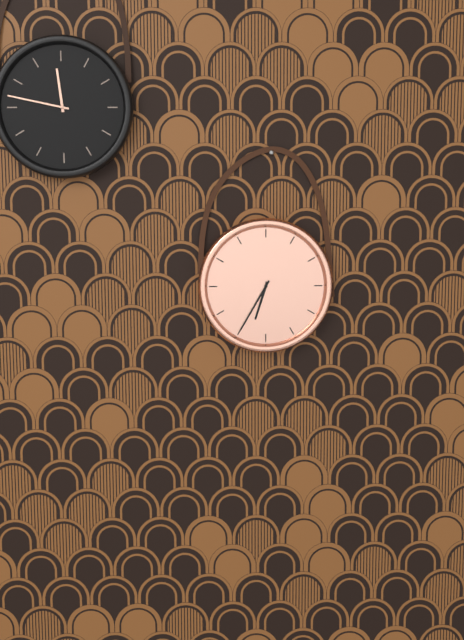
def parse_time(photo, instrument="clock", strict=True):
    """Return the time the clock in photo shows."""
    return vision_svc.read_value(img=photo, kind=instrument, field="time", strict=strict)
6:35
